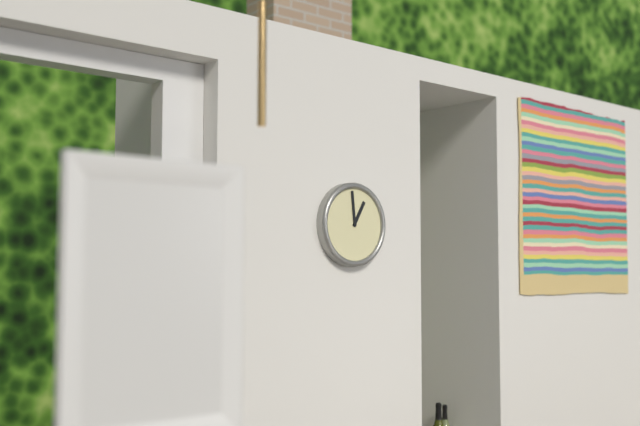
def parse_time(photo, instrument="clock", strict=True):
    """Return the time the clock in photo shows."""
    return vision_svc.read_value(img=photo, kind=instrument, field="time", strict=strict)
12:59
